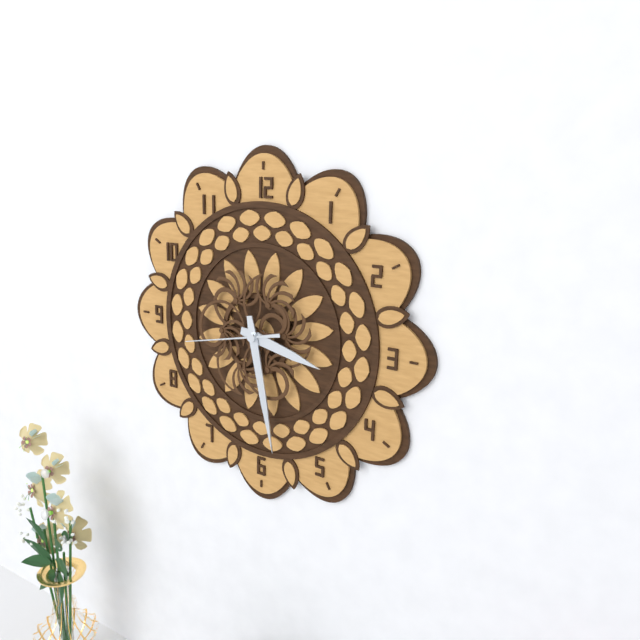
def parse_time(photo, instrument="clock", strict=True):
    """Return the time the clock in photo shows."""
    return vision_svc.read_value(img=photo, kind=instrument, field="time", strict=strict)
3:28:43
